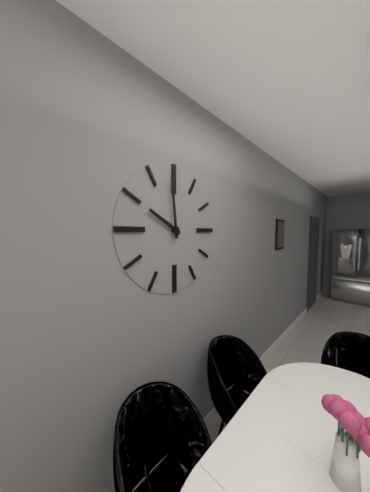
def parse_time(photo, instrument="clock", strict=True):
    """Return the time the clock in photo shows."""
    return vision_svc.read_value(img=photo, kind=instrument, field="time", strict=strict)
9:59
